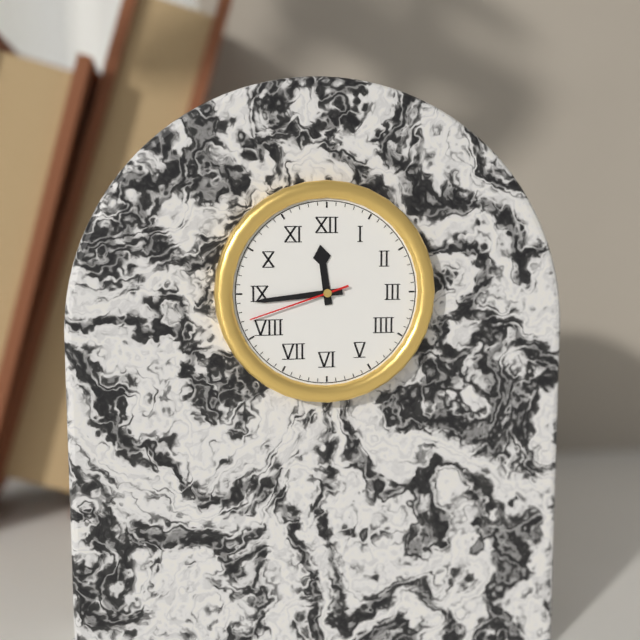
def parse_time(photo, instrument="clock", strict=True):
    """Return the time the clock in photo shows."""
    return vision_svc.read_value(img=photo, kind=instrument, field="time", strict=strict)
11:44:42
